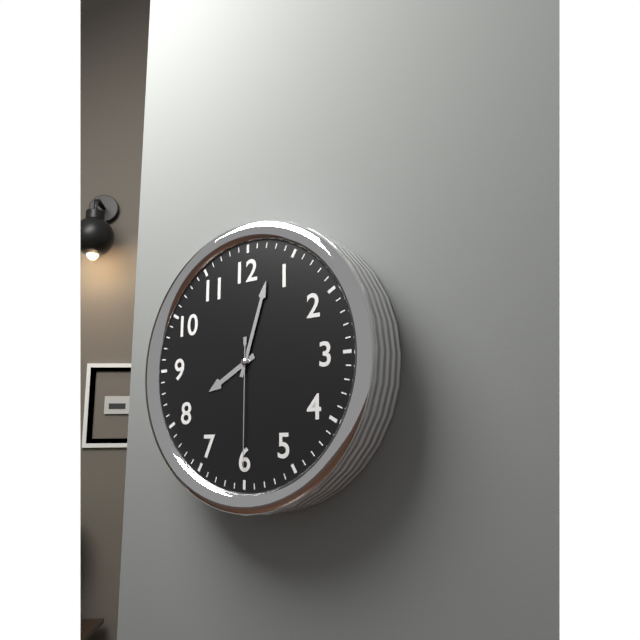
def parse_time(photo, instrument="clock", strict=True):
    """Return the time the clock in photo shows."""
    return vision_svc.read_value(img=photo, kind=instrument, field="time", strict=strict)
8:03:30
